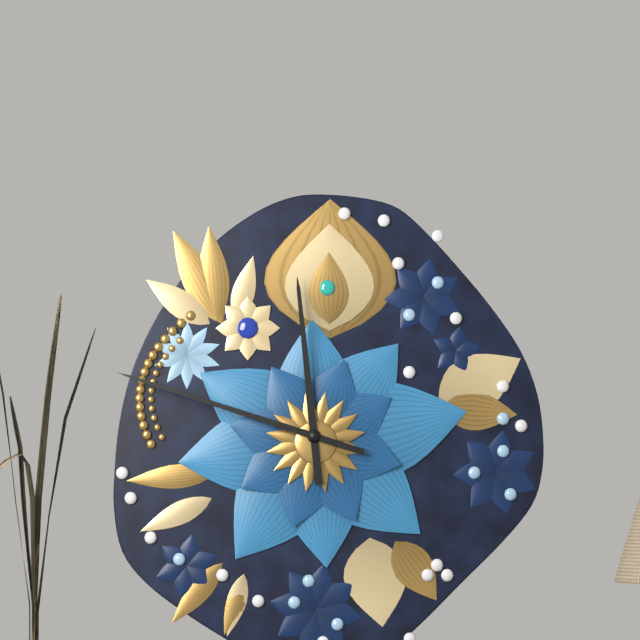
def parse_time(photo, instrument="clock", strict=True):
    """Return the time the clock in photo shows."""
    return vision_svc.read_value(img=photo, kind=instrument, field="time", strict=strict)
11:48
